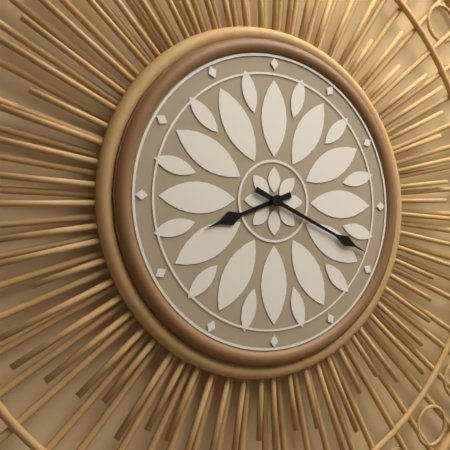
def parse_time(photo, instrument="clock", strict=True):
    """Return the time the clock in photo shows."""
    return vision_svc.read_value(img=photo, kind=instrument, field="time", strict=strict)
8:19
